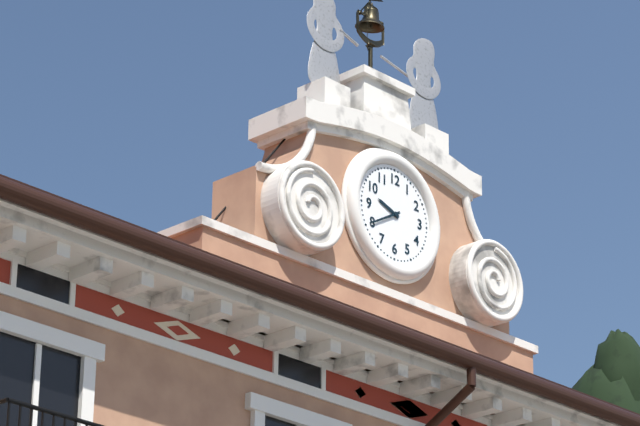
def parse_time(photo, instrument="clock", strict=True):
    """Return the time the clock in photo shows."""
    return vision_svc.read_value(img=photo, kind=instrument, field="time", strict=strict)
9:40
